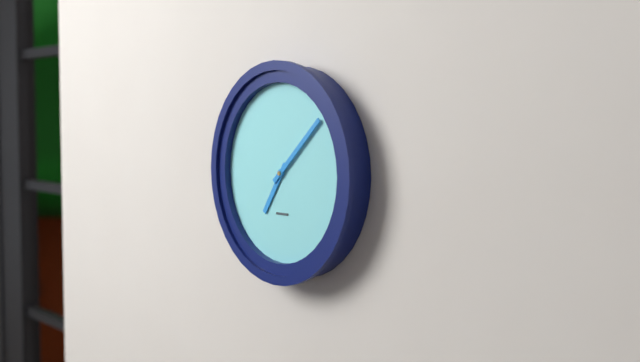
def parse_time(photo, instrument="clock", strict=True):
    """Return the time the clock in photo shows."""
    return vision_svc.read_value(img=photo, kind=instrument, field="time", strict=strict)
7:08
